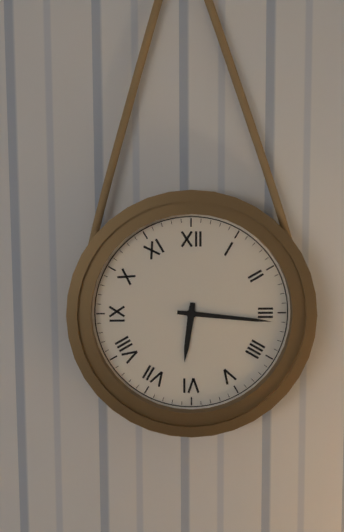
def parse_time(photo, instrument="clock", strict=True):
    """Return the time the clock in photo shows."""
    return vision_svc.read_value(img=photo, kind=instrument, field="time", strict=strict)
6:16
